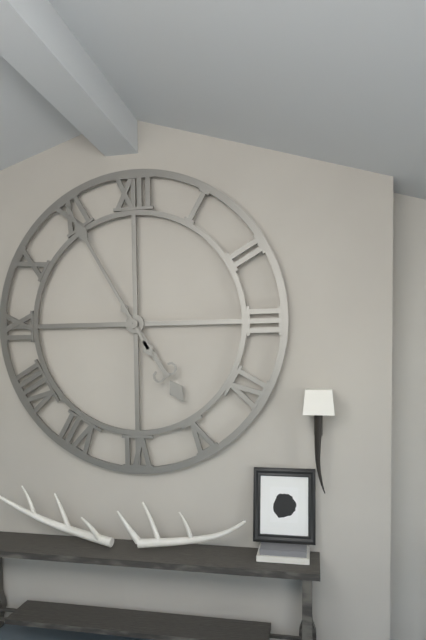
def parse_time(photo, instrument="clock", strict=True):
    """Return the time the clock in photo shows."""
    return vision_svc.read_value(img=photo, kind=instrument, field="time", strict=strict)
4:55
